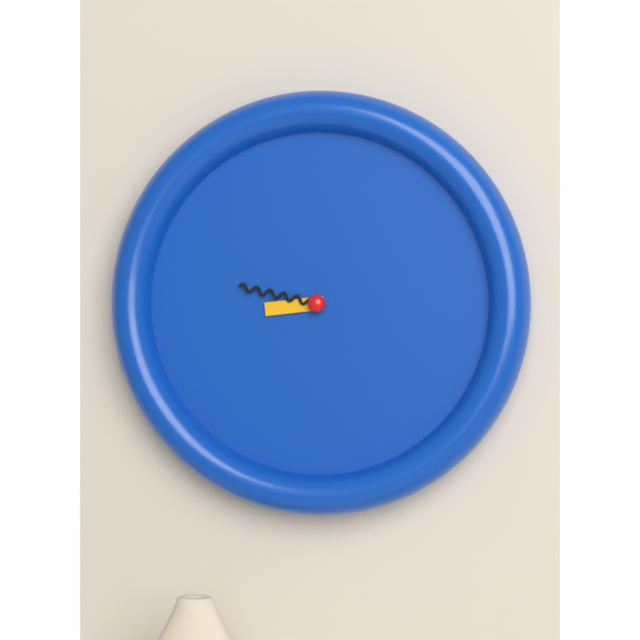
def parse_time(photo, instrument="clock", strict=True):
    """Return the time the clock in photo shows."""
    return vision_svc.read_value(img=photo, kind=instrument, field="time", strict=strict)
8:47
